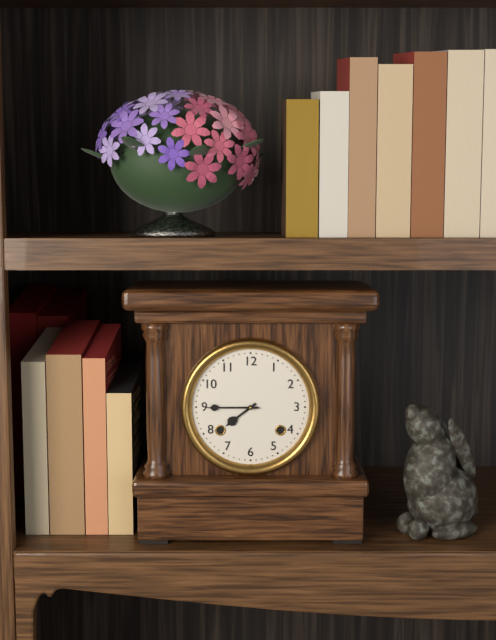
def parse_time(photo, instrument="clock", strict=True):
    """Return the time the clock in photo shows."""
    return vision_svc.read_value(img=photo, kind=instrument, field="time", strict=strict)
7:45
